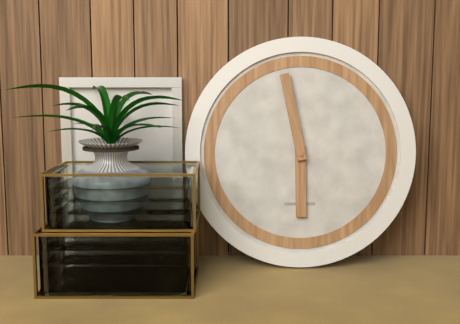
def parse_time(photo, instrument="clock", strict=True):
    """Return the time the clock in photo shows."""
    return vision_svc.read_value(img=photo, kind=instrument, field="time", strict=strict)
5:58
